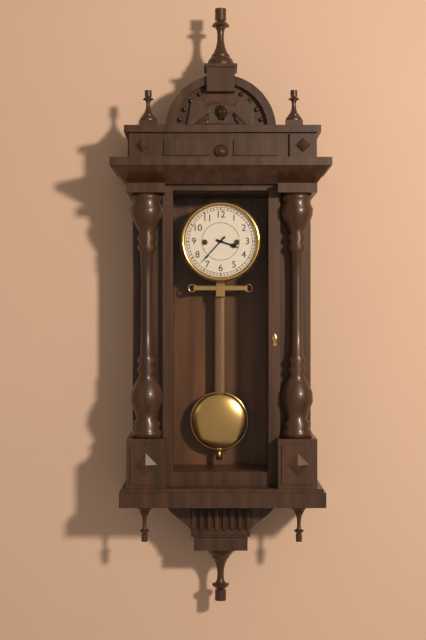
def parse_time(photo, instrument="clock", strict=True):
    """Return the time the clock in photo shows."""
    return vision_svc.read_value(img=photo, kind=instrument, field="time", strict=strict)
3:37
